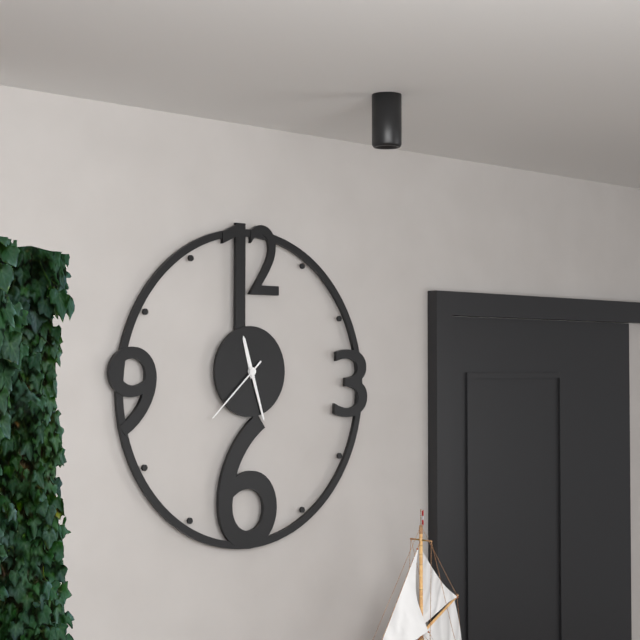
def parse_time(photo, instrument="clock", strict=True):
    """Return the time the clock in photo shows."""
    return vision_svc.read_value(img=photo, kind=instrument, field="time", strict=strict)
11:27:38
